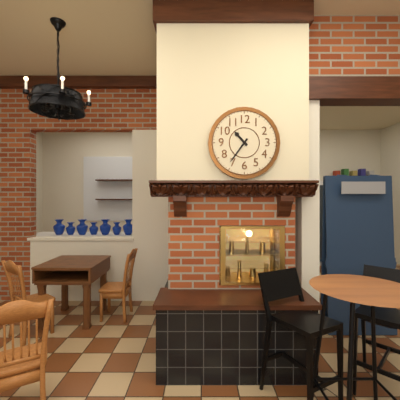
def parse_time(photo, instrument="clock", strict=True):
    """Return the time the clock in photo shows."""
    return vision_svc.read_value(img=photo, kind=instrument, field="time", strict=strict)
10:36
